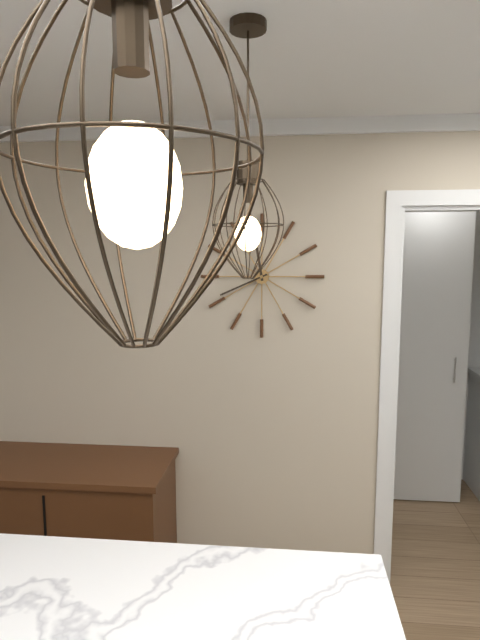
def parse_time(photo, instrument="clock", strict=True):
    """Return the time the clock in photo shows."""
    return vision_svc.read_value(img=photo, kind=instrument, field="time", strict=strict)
11:41
